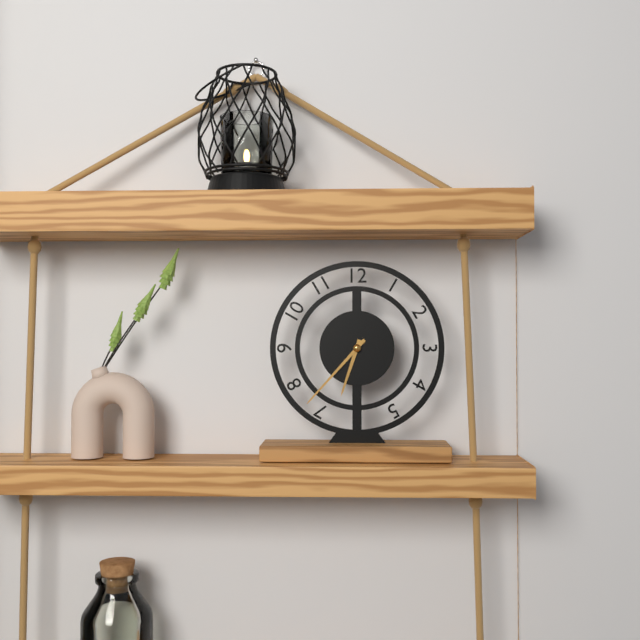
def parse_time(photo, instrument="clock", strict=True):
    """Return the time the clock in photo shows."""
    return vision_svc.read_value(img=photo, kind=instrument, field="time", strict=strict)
6:37
